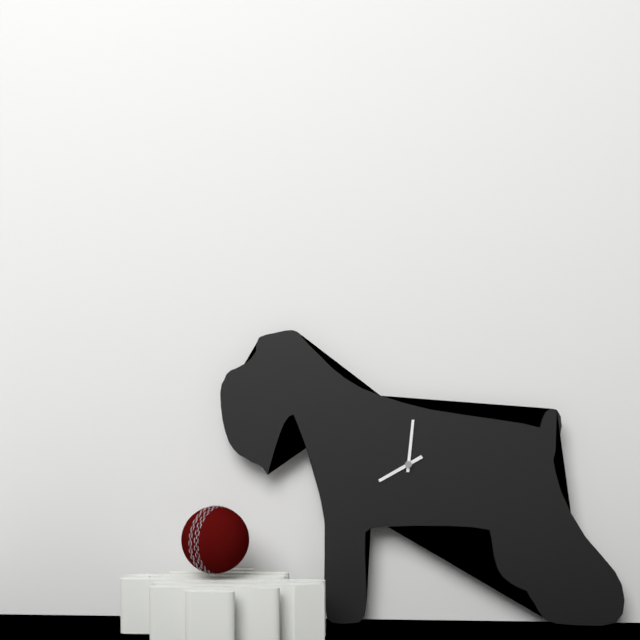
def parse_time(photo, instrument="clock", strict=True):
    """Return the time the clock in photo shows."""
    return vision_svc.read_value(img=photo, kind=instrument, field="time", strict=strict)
8:01
